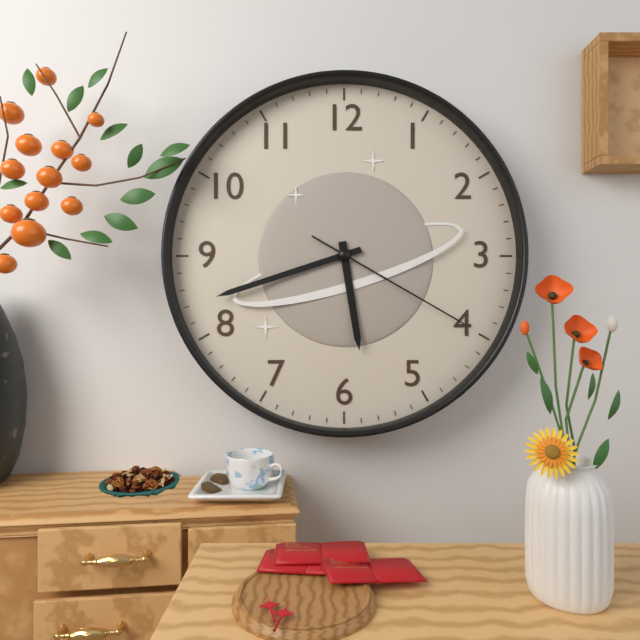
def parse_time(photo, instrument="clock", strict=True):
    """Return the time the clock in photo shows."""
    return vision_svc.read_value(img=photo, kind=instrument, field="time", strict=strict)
5:42:20
